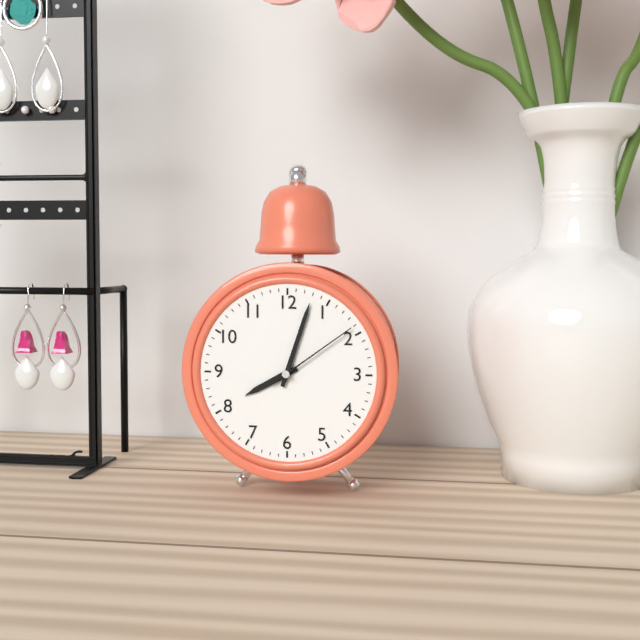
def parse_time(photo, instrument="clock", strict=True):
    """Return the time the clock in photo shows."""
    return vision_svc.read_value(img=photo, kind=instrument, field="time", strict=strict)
8:03:09
